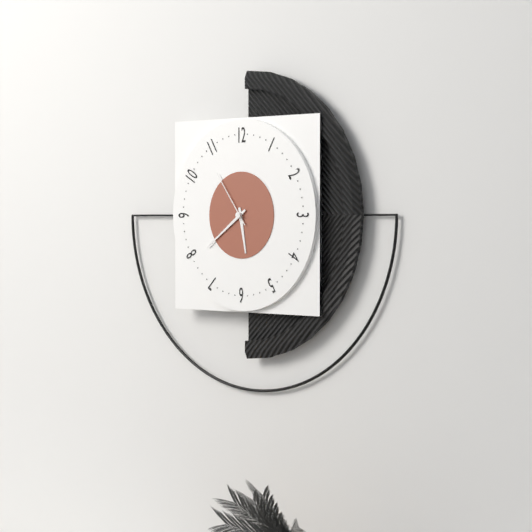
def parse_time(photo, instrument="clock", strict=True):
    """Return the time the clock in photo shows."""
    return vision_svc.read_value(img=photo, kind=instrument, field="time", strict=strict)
5:39:54
